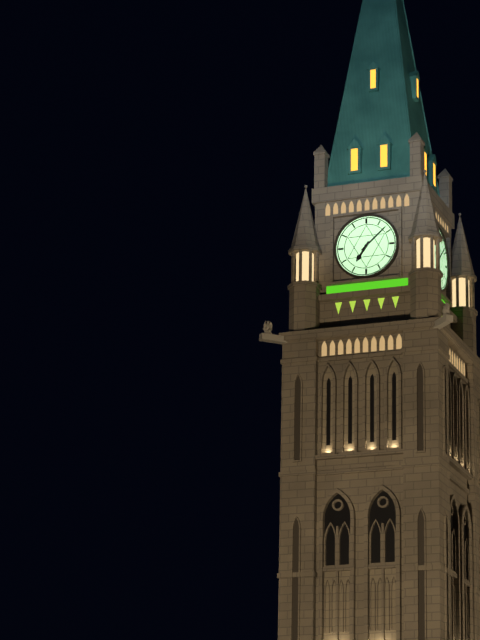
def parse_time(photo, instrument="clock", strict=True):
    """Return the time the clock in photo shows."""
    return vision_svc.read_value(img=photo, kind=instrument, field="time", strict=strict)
7:08
